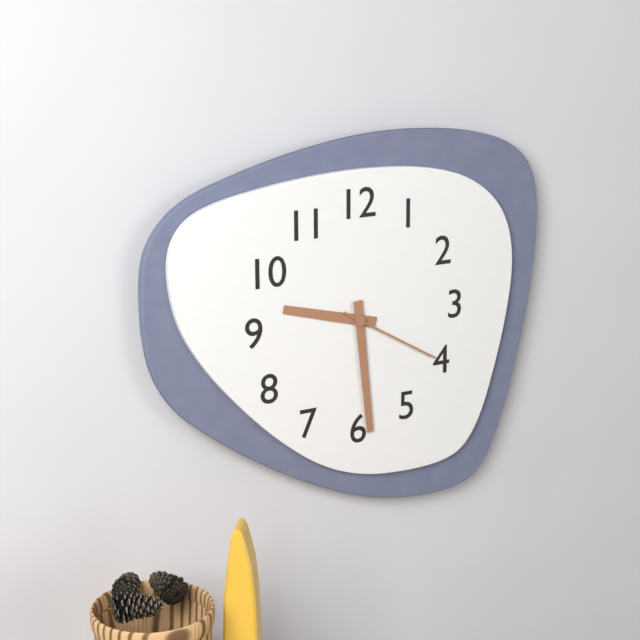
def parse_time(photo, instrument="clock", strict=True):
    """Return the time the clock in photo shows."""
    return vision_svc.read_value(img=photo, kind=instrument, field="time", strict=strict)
9:29:20
